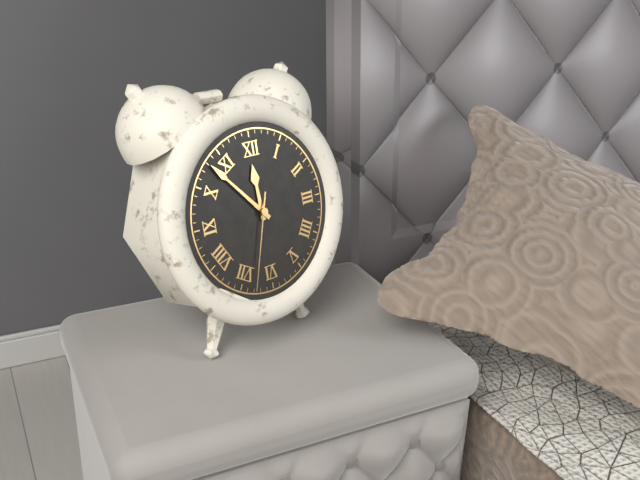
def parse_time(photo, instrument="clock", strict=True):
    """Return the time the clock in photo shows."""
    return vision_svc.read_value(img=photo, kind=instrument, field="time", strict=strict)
11:53:33
